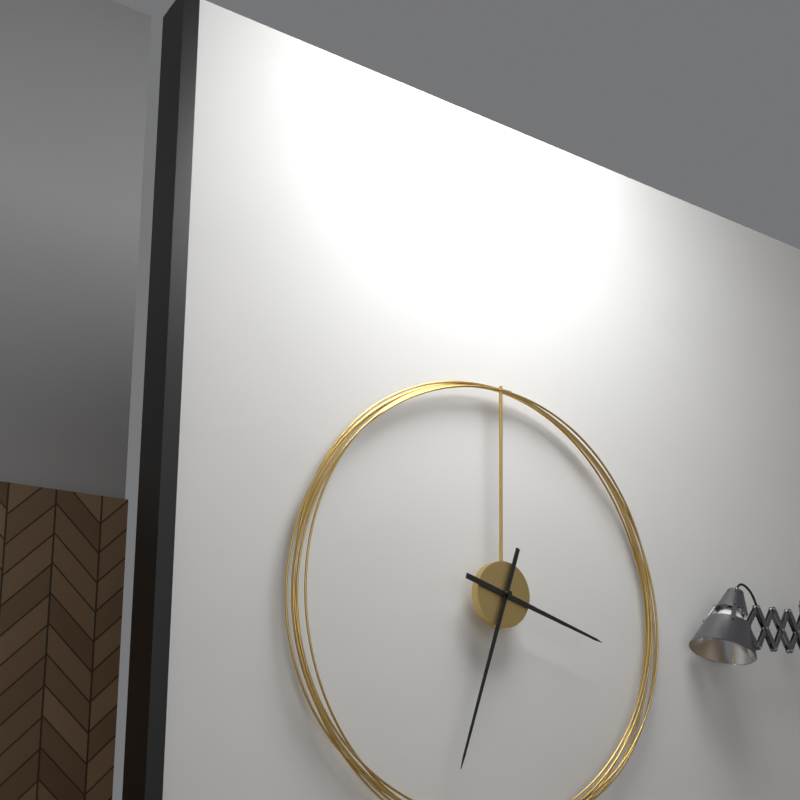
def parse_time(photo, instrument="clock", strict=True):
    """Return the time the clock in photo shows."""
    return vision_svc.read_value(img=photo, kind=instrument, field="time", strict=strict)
3:33
